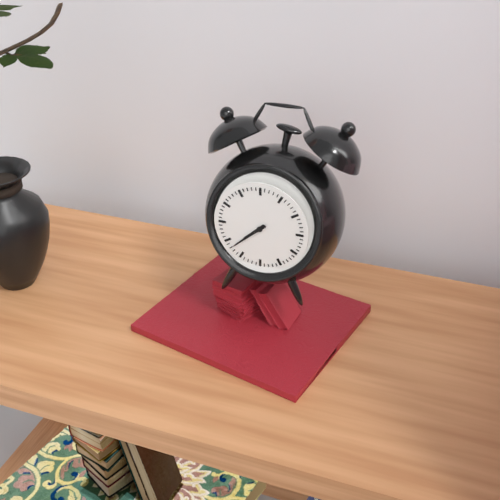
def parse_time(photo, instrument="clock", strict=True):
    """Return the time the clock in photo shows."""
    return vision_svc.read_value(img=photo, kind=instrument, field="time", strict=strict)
7:38
